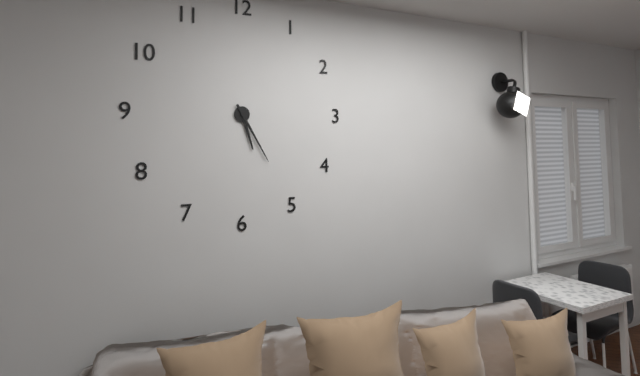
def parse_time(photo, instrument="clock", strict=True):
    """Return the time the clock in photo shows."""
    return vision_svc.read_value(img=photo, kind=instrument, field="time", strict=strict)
5:25
